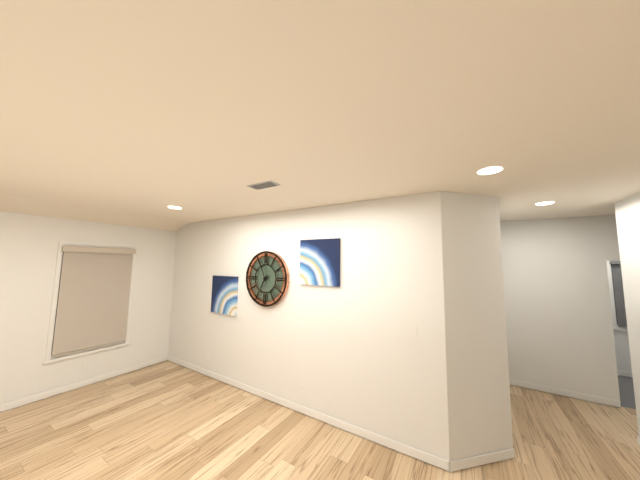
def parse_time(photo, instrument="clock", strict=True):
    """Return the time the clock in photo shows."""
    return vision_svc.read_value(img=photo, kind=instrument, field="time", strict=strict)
6:56
